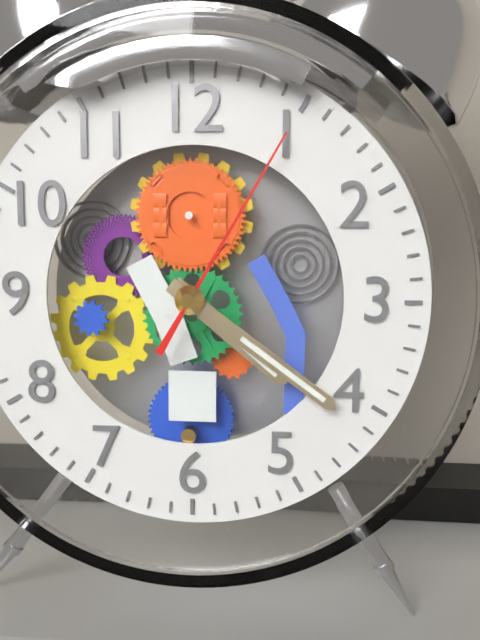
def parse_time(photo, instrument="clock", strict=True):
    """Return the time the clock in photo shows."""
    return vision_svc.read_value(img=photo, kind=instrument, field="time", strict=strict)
4:21:05
